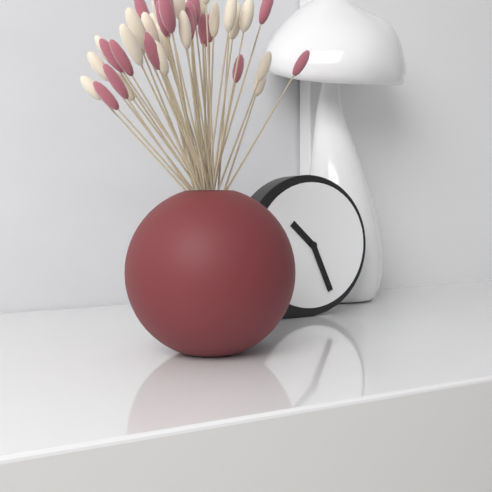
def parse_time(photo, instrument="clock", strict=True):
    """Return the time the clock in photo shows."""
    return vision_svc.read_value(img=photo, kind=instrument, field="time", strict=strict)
10:26
